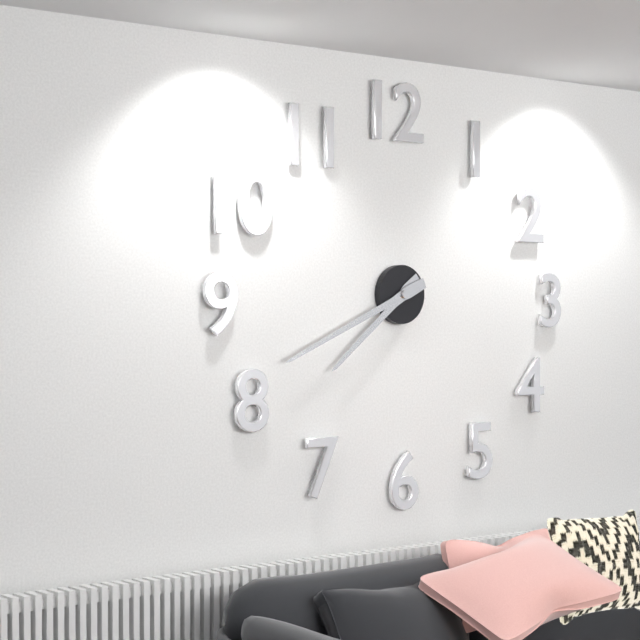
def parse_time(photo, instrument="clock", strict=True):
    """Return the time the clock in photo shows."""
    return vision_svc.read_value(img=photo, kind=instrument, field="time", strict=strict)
7:41
